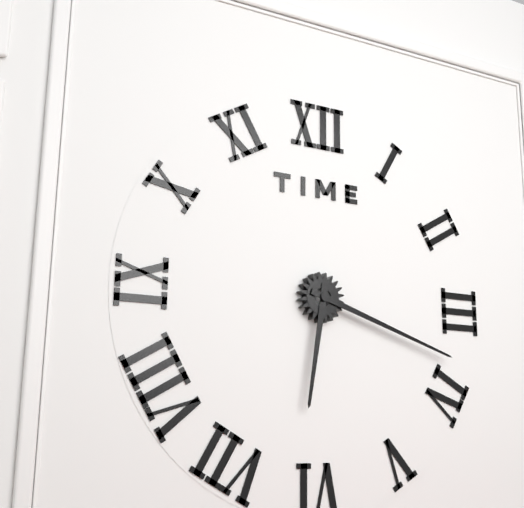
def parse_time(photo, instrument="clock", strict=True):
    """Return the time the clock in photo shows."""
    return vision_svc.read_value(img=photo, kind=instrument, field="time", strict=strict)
6:18
